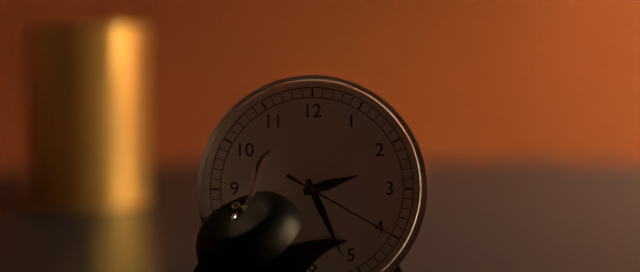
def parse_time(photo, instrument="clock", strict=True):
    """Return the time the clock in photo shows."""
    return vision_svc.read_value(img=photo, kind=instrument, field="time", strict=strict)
2:26:20
